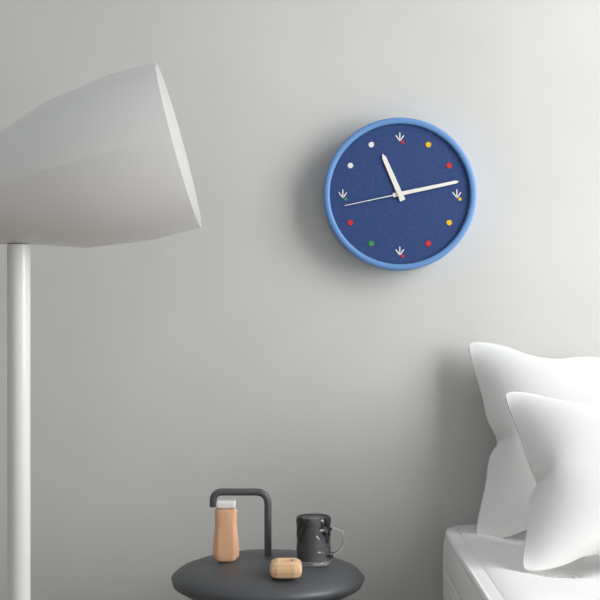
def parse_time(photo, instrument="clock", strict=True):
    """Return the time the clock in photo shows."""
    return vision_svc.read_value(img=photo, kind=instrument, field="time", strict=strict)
11:13:43
